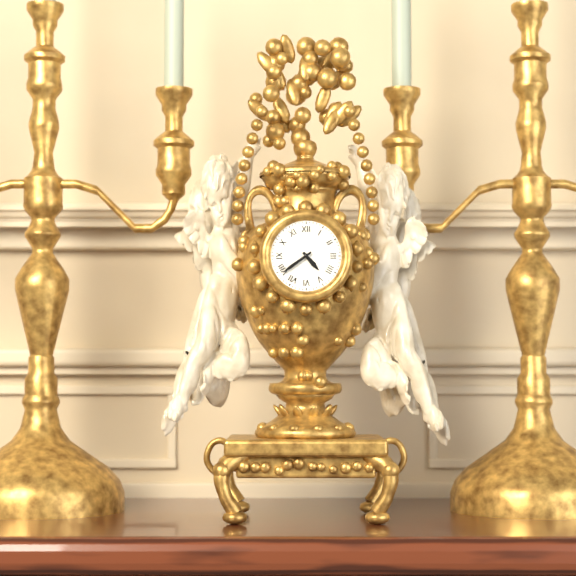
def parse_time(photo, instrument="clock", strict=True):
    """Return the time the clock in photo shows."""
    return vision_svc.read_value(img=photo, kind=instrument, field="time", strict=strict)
4:39
